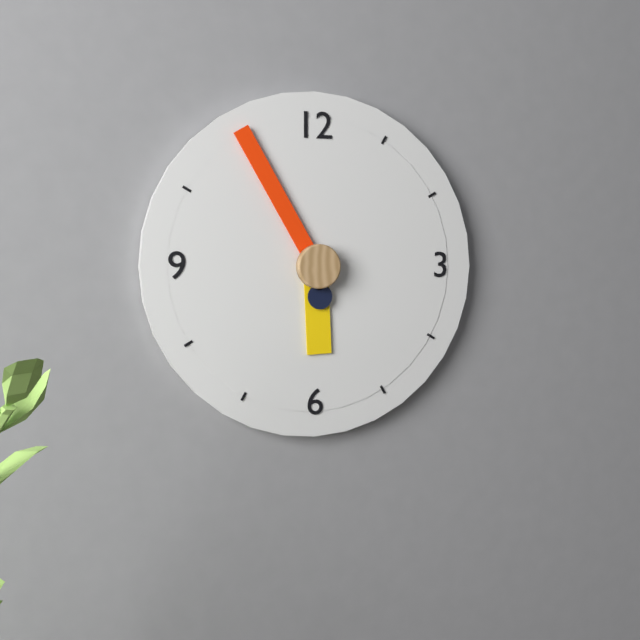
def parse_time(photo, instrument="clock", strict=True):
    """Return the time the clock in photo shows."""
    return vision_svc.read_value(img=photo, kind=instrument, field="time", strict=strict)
5:55:29
